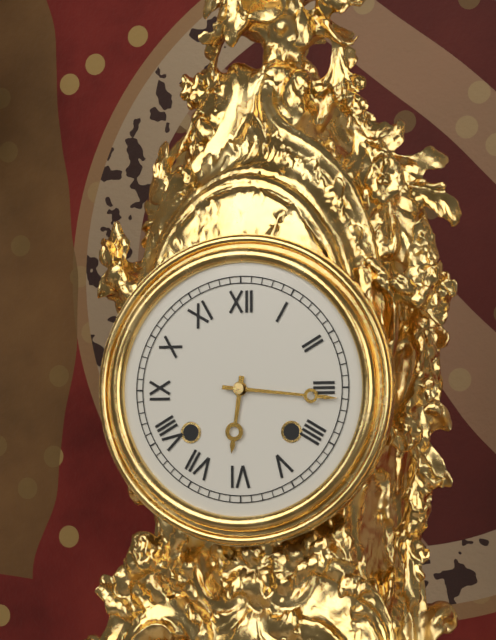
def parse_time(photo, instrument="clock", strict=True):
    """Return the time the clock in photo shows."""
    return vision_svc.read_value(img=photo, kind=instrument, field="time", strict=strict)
6:16
